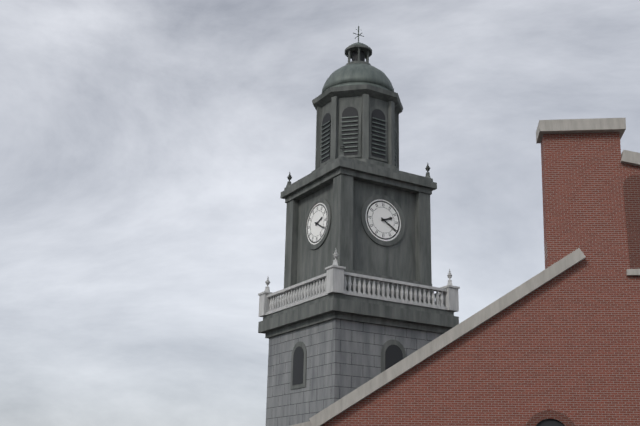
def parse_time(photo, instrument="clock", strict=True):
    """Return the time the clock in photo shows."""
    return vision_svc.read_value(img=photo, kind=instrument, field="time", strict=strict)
2:20
